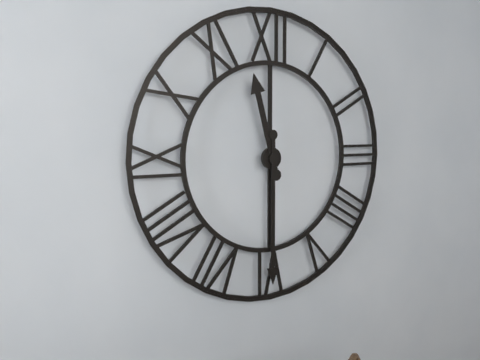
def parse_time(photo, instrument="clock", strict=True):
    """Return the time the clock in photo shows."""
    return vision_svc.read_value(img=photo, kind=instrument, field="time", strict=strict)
11:30
